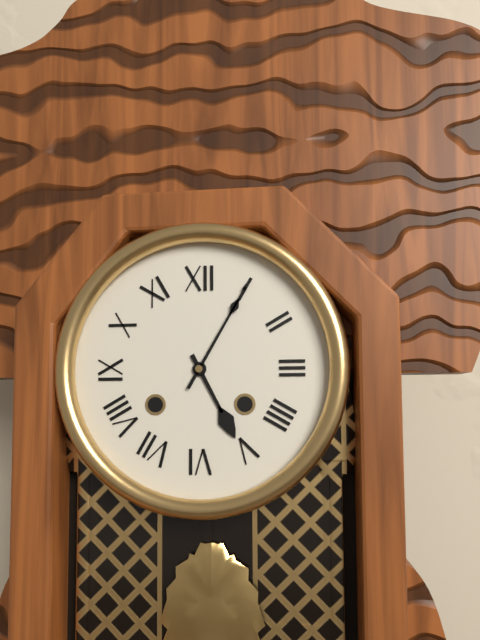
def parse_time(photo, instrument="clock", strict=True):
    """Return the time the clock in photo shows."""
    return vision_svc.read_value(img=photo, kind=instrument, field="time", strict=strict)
5:05
